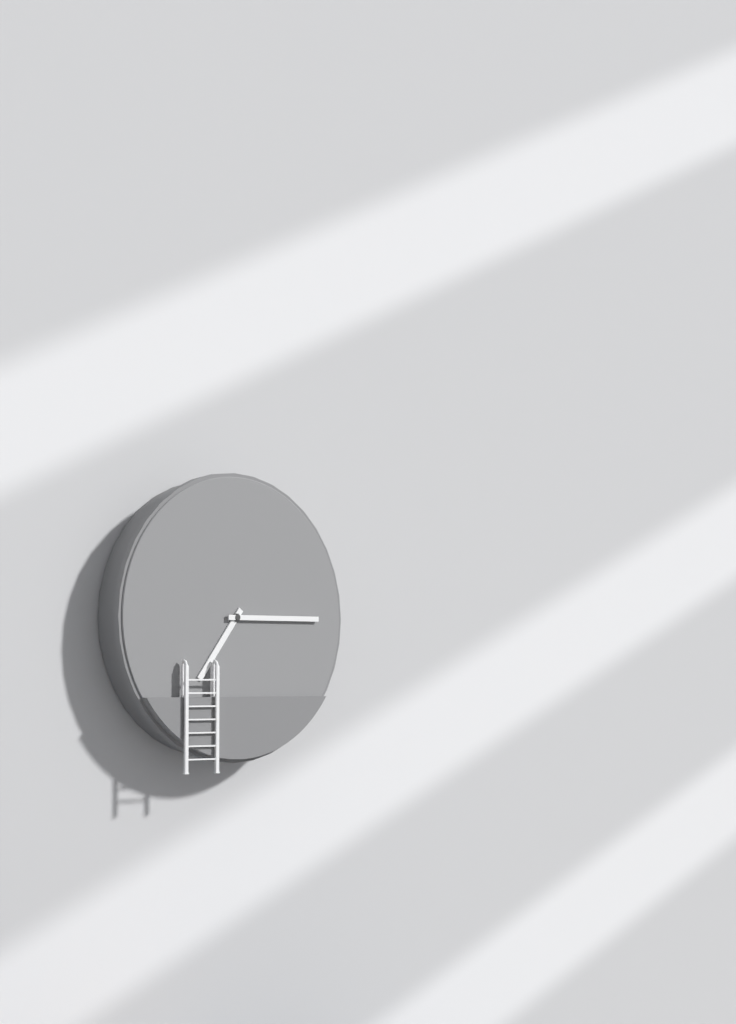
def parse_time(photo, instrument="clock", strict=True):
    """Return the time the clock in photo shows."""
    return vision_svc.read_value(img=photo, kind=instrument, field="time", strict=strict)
7:15
